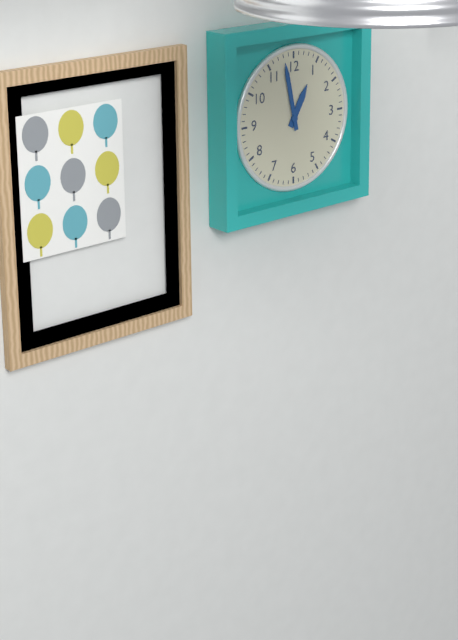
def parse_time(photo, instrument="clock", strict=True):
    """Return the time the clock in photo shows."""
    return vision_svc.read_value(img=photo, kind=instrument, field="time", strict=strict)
12:58
